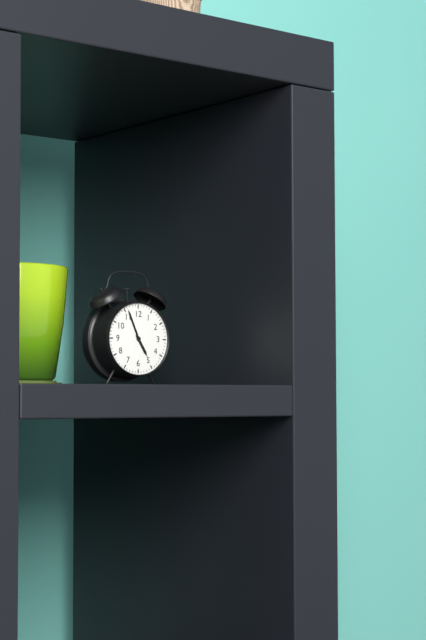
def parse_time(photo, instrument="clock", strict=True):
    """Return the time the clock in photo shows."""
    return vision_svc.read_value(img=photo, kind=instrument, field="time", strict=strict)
4:56
